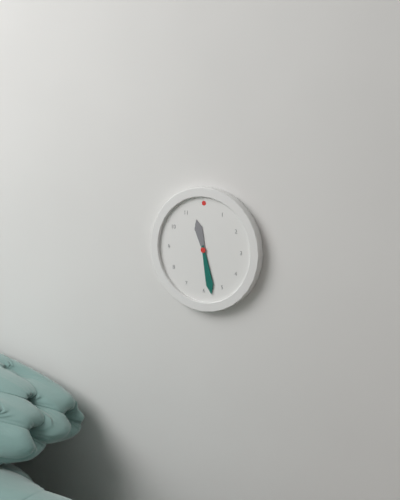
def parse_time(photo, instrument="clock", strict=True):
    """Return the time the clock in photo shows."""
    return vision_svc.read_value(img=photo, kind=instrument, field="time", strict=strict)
11:28
